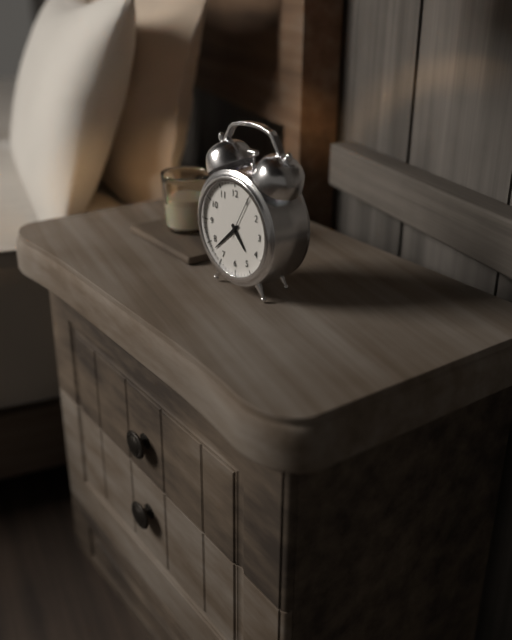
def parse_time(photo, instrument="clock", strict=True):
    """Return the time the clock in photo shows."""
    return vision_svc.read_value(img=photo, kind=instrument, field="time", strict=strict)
4:38
